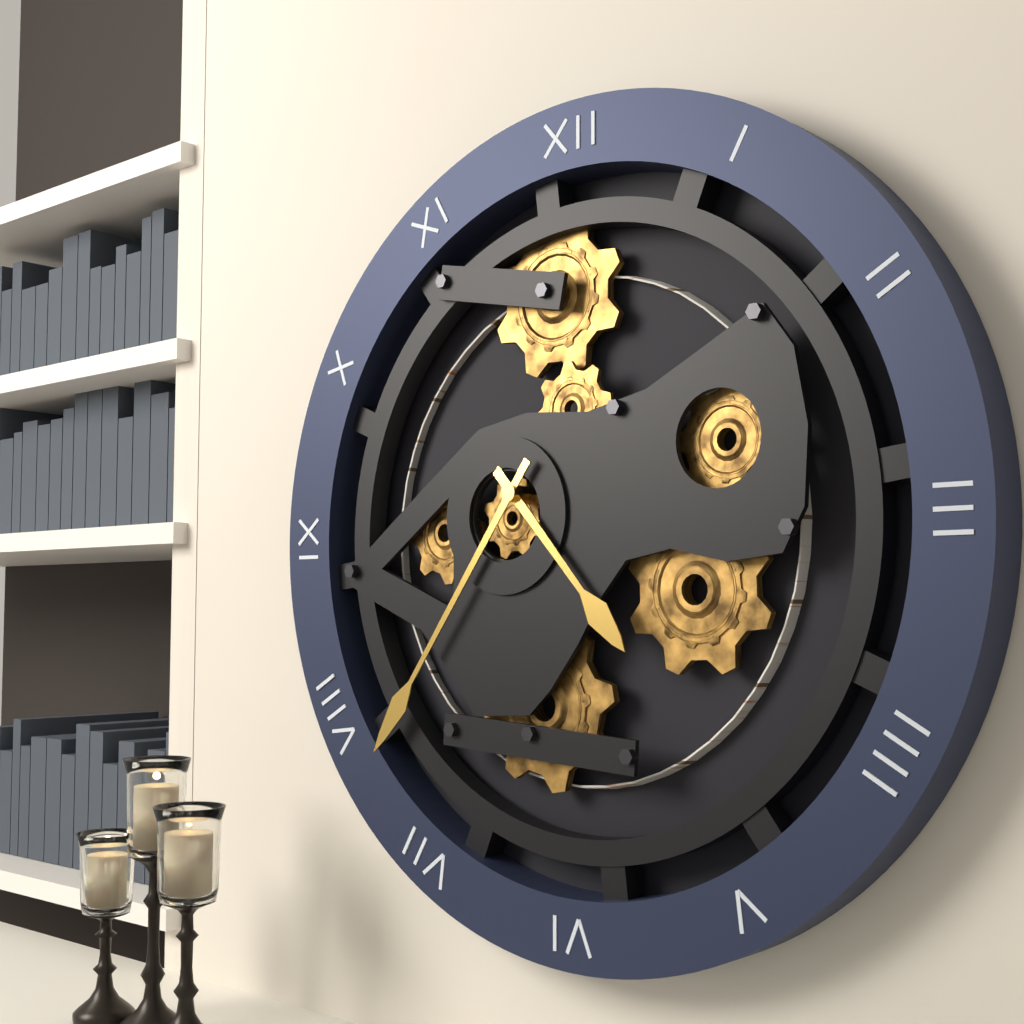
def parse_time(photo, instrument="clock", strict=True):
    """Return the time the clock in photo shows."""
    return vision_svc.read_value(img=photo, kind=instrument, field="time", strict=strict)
4:36
